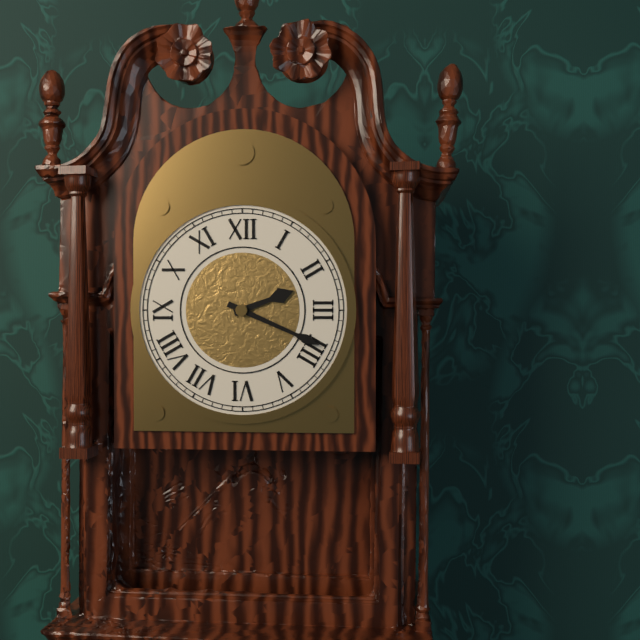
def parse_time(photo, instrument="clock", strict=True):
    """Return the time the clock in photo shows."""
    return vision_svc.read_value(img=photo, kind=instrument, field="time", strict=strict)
2:19
